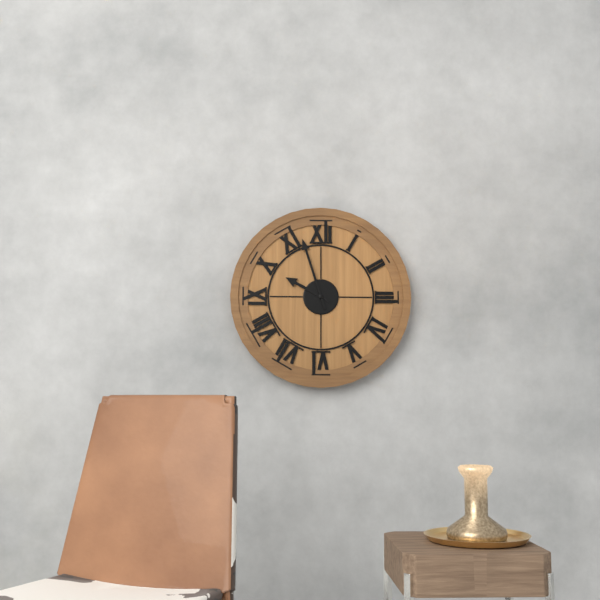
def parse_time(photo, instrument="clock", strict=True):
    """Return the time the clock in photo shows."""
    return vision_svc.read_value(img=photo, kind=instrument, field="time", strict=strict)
9:57
